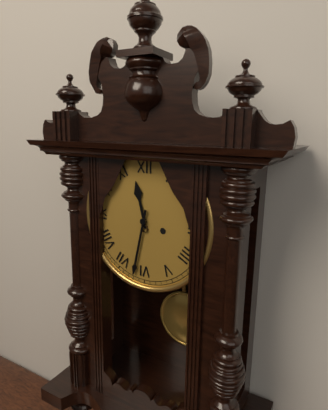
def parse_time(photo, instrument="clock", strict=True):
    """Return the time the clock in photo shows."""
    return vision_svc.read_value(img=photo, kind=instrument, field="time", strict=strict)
11:32
